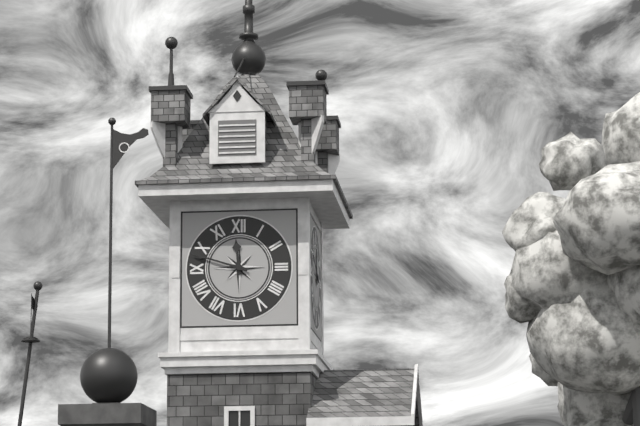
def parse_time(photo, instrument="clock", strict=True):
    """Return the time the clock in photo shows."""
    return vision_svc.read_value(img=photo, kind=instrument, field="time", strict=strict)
11:48
